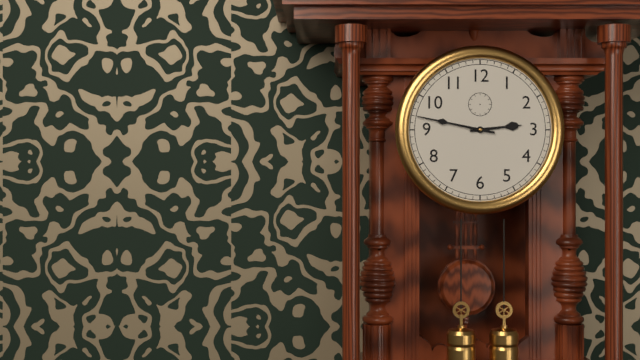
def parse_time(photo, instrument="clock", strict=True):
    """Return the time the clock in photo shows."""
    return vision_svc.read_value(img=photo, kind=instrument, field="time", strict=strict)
2:47
